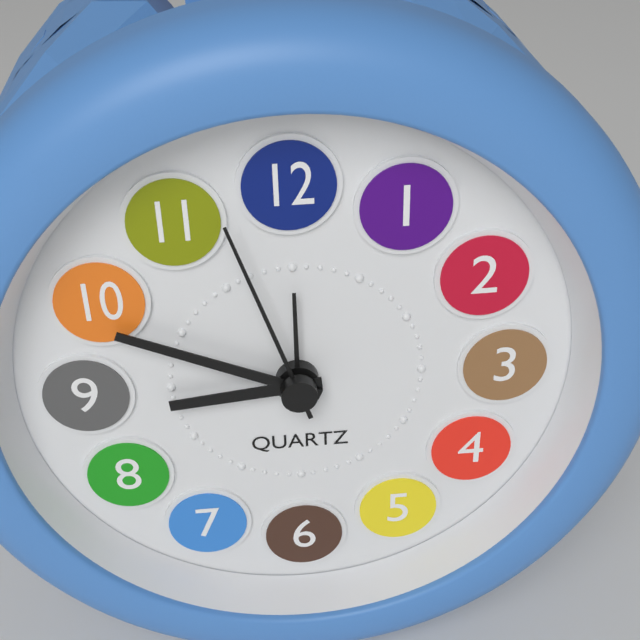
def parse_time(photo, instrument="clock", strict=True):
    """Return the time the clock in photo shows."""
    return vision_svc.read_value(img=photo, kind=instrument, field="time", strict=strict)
8:49:57
